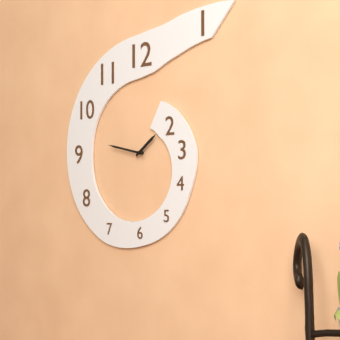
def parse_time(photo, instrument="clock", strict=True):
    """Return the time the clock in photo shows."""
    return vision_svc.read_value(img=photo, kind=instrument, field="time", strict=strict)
1:47
